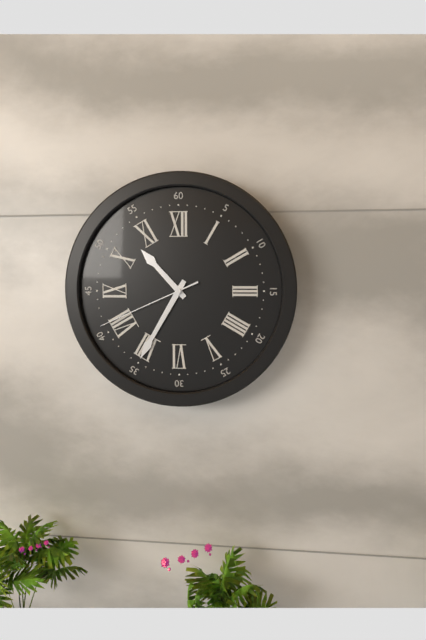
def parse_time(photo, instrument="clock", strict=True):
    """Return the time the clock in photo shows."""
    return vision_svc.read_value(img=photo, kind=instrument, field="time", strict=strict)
10:35:41
